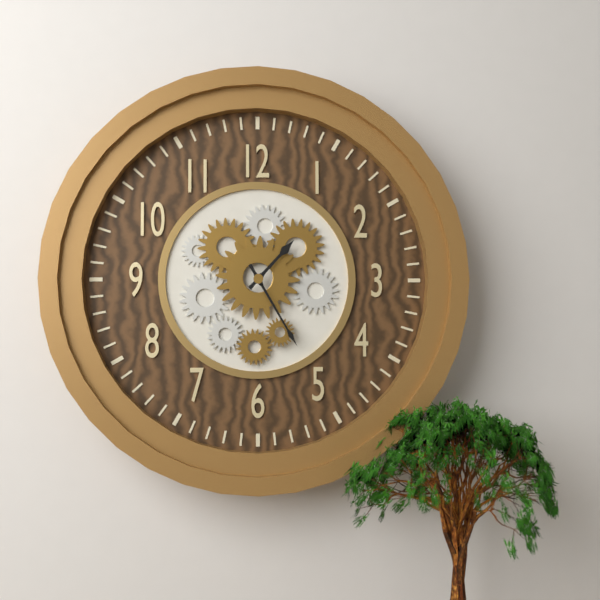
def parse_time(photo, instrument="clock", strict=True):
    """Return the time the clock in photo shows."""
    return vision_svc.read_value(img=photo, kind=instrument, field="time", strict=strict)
1:25
